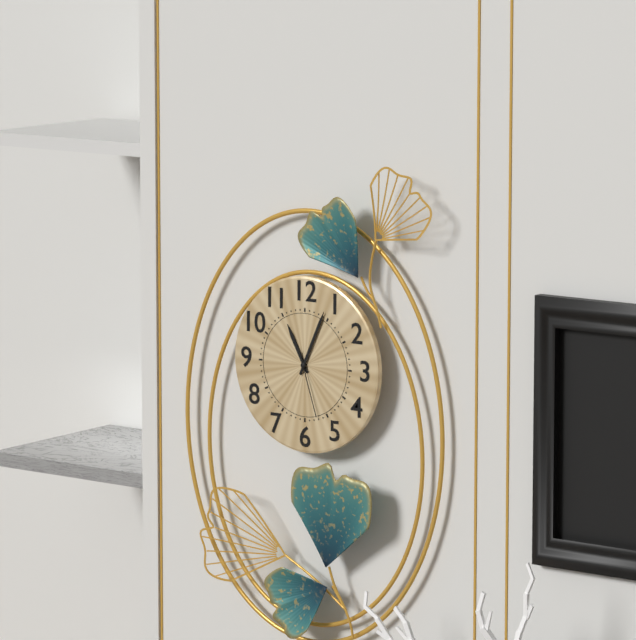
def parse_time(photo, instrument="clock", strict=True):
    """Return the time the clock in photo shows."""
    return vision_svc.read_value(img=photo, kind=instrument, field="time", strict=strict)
11:04:27
